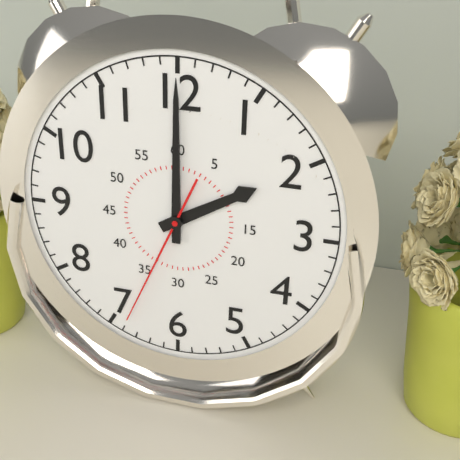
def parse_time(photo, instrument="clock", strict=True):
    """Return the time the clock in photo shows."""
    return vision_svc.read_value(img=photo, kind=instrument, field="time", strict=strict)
2:00:34
